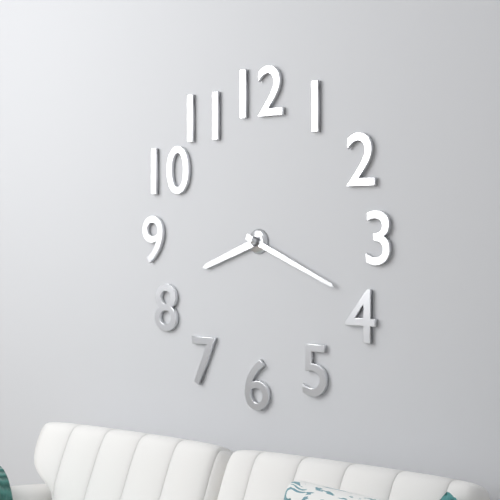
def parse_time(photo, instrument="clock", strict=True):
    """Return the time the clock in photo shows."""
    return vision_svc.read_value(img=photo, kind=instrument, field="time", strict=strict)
8:19
